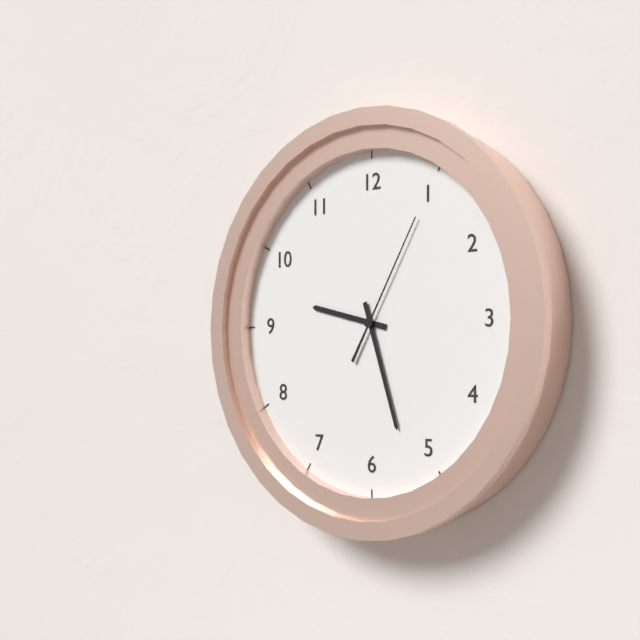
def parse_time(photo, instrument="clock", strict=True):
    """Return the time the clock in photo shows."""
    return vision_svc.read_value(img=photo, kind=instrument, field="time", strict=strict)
9:27:05
